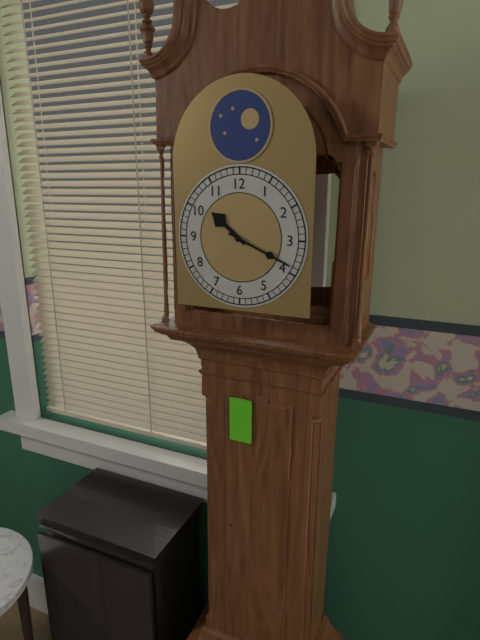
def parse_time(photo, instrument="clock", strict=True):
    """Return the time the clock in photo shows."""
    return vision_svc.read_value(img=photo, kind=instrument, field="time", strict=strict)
10:19
